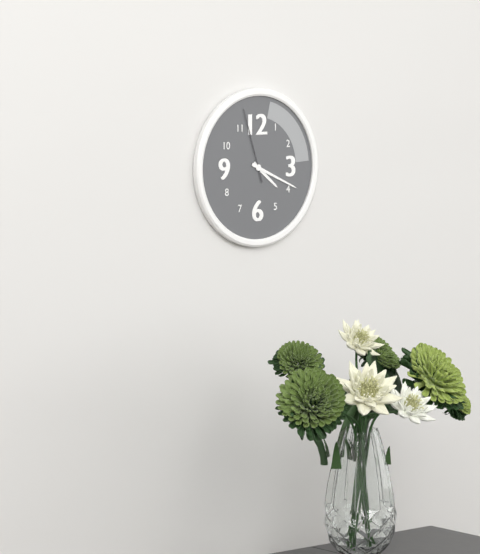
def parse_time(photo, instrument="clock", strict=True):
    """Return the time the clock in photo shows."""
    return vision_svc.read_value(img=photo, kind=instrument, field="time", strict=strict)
4:19:57
